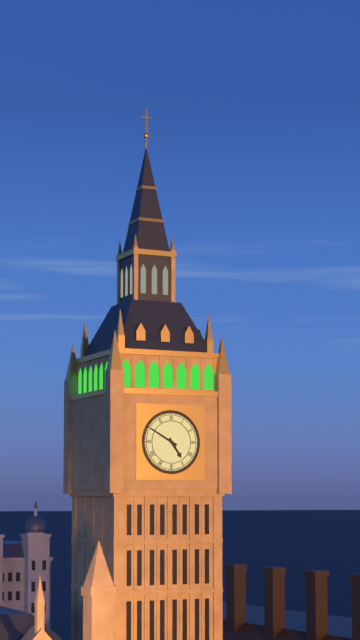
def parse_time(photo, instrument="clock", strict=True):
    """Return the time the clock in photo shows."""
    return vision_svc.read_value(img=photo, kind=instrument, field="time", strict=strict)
4:50
